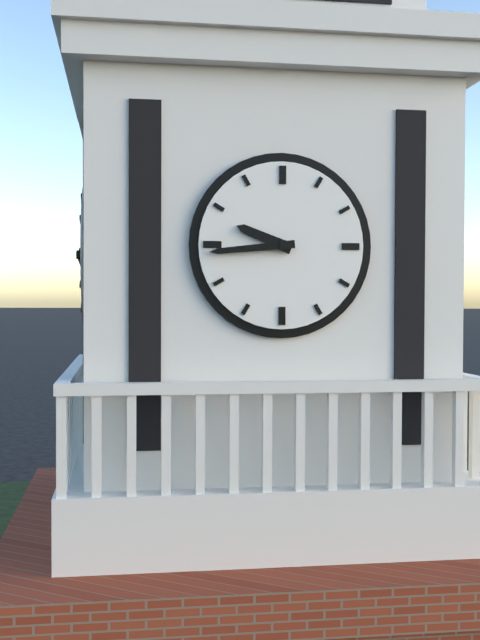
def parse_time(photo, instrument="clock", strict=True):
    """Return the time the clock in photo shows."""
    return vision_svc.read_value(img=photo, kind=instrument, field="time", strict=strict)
9:44
